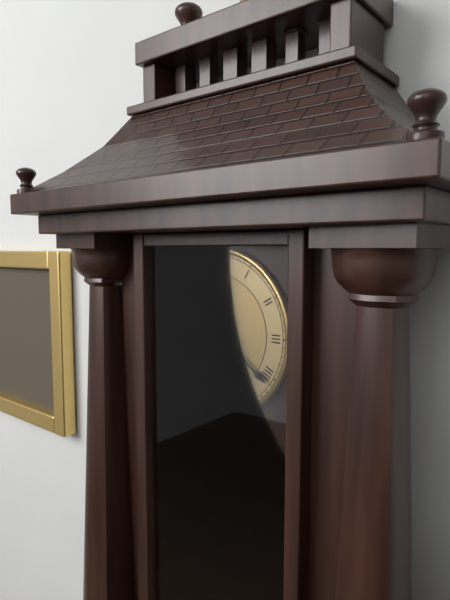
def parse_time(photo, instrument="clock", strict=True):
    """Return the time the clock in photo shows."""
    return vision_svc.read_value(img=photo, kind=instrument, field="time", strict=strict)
12:21
